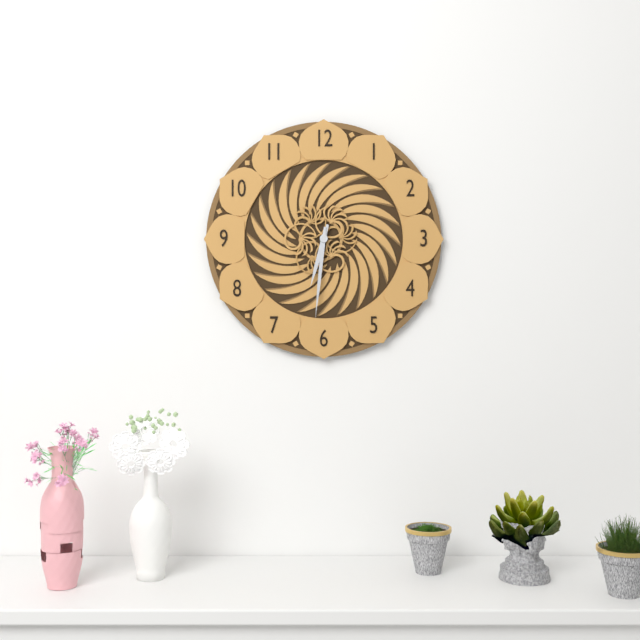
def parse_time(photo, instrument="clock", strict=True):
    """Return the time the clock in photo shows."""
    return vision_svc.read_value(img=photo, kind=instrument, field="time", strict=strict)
6:31
